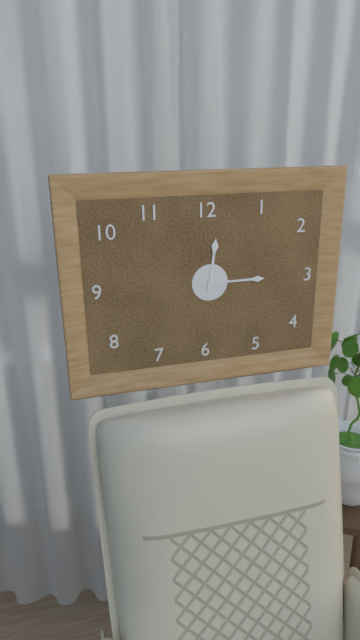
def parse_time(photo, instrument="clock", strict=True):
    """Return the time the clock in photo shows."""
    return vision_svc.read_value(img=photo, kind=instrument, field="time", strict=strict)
12:15
